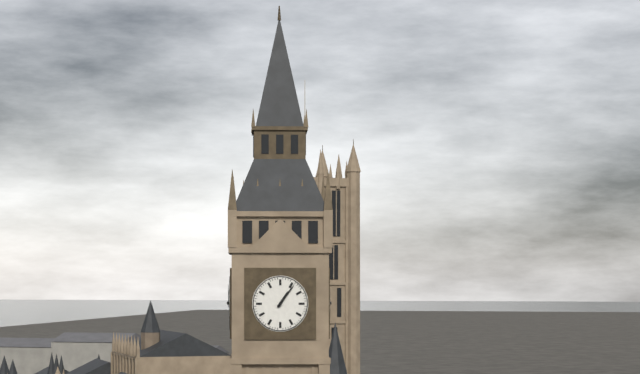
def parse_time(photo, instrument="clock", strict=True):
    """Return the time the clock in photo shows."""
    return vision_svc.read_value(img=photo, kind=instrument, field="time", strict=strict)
1:06
